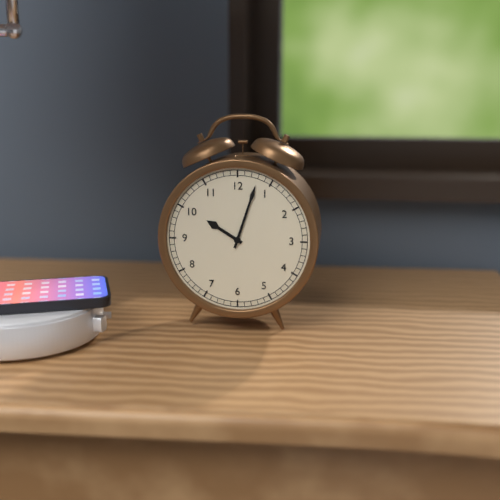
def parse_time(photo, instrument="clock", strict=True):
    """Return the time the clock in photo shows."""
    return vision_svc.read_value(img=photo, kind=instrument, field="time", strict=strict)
10:03
